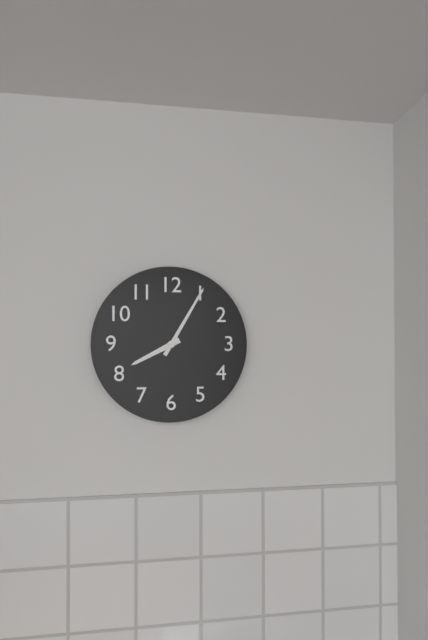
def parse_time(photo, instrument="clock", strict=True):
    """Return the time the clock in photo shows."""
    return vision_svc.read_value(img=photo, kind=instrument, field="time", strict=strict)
8:05
